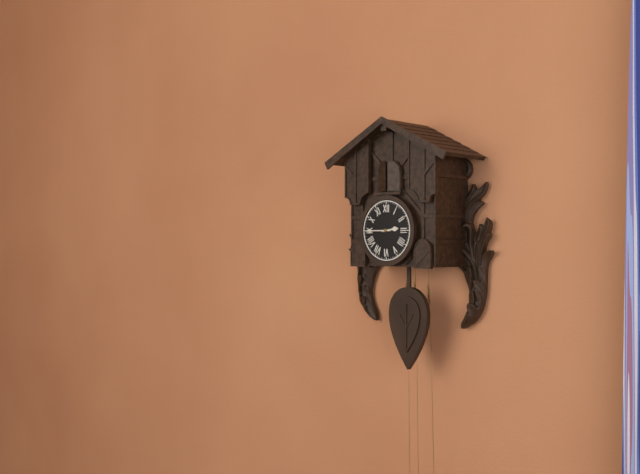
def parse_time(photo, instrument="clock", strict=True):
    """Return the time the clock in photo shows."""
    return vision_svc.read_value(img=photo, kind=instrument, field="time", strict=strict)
2:45
